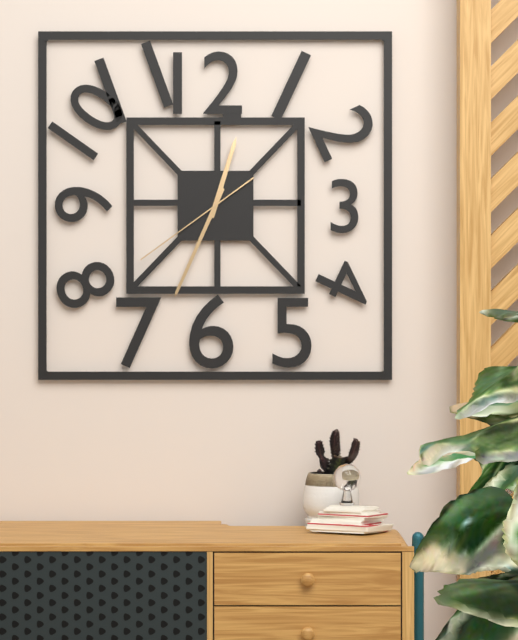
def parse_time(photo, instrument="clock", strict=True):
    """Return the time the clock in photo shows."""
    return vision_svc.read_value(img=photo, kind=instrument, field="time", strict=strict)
12:34:39
